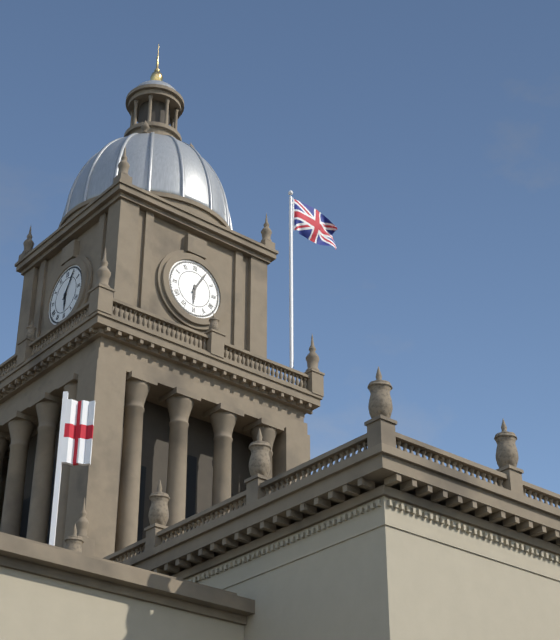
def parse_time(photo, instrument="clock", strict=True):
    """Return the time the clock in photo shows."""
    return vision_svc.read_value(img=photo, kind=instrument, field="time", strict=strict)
6:05
